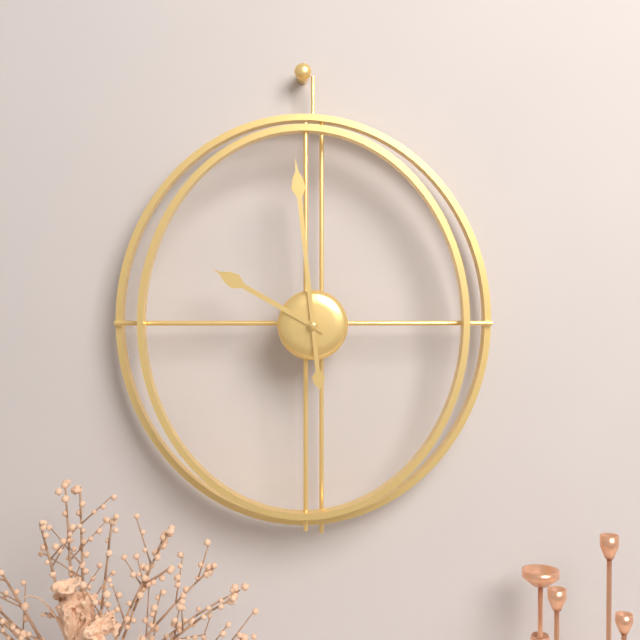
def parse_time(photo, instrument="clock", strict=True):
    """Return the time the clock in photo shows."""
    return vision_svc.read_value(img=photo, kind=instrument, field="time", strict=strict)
9:59
